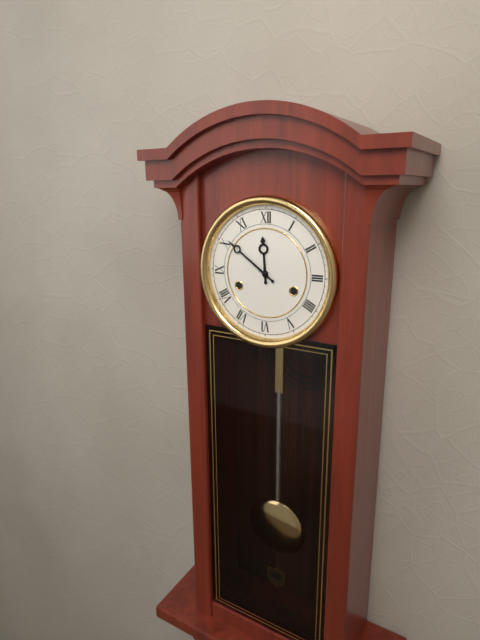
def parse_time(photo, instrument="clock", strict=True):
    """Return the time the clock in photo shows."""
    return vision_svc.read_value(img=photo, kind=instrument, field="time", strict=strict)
11:51
